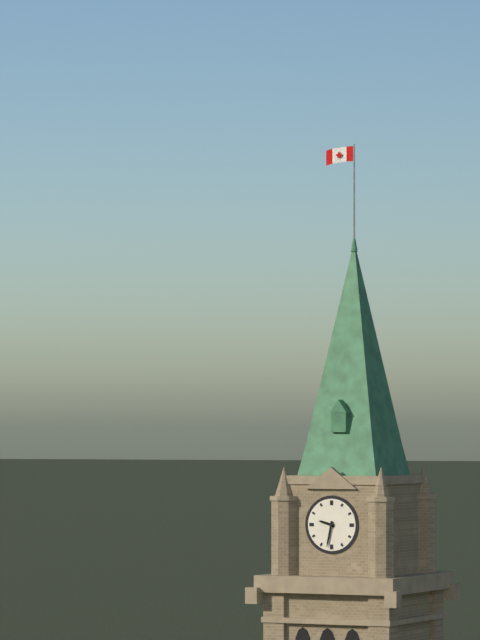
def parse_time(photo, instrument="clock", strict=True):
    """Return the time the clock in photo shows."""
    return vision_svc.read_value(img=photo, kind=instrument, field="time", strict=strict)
9:32
